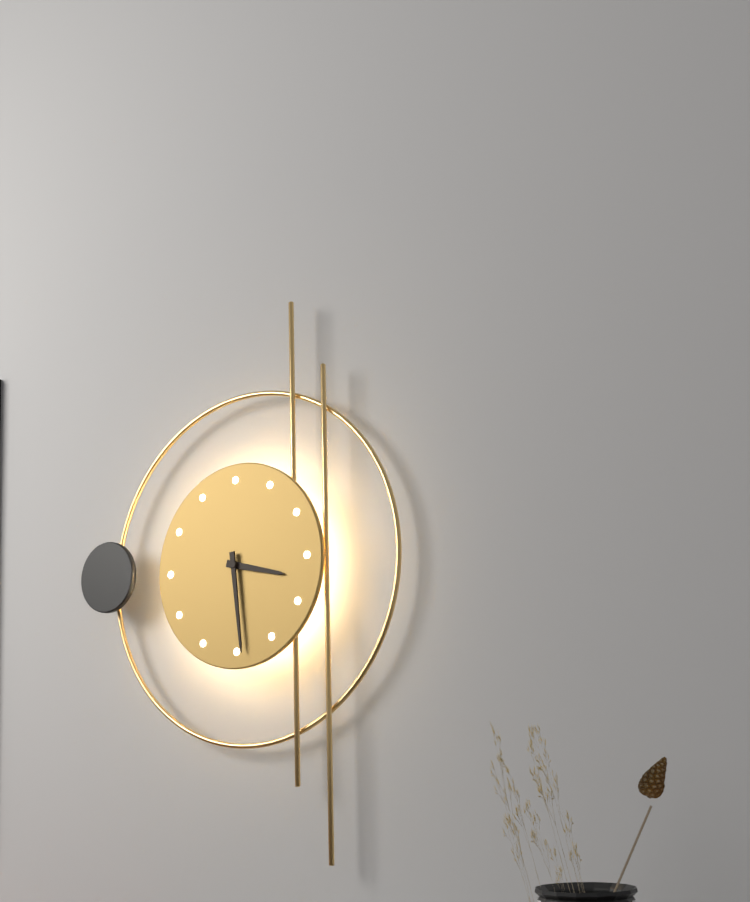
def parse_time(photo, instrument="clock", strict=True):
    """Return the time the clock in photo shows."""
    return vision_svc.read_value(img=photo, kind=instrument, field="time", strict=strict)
3:29
